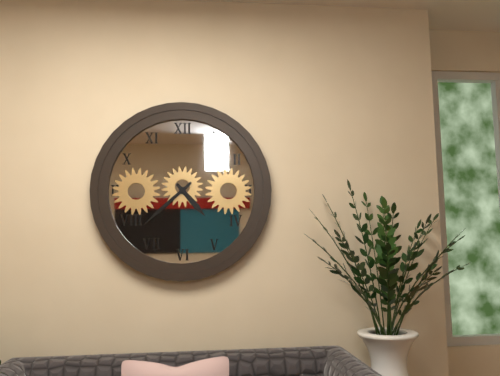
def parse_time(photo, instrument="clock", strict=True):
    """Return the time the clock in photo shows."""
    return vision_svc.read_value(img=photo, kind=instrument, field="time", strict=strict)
4:38
